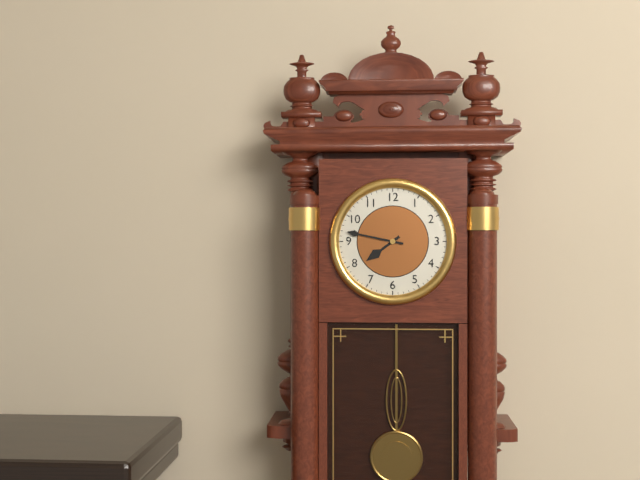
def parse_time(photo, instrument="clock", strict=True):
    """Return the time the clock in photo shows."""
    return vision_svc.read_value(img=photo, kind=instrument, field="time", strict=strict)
7:47
